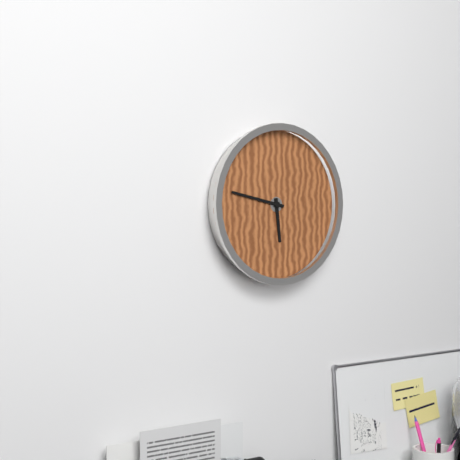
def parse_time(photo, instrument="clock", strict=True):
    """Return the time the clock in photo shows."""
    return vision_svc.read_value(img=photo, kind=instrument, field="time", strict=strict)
5:47
